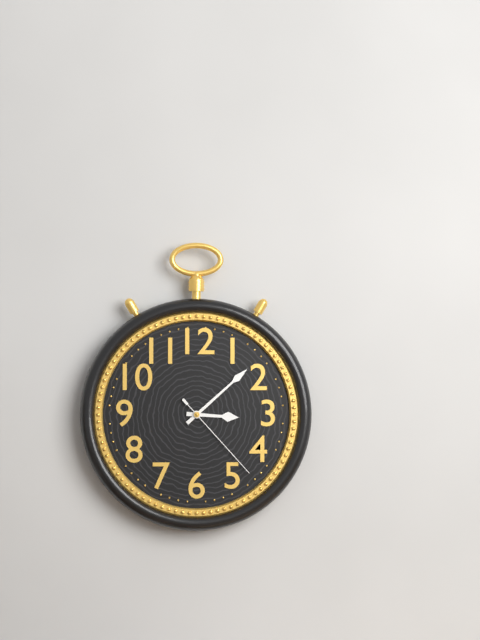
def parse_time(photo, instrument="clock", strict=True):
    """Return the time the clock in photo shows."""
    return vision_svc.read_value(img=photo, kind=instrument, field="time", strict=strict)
3:08:23
